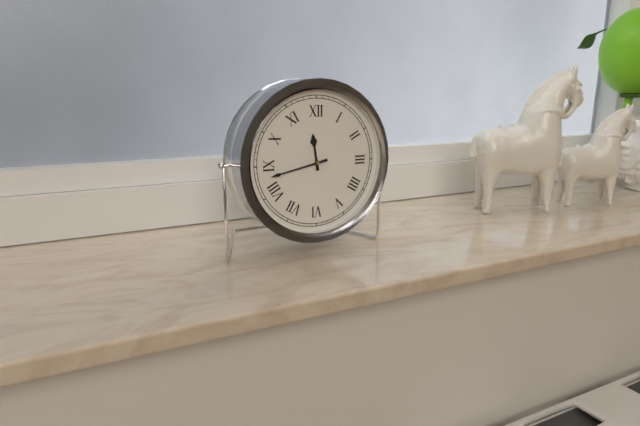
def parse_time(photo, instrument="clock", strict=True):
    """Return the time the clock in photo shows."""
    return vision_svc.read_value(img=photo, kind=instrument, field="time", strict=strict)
11:43
